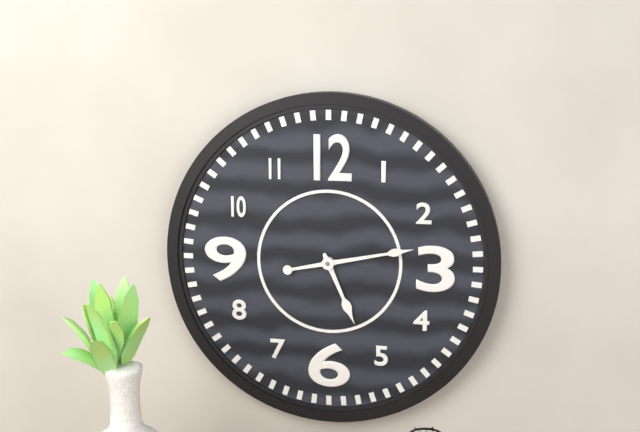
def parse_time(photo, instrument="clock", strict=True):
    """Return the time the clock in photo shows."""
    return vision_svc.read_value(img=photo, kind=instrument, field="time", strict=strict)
5:13
